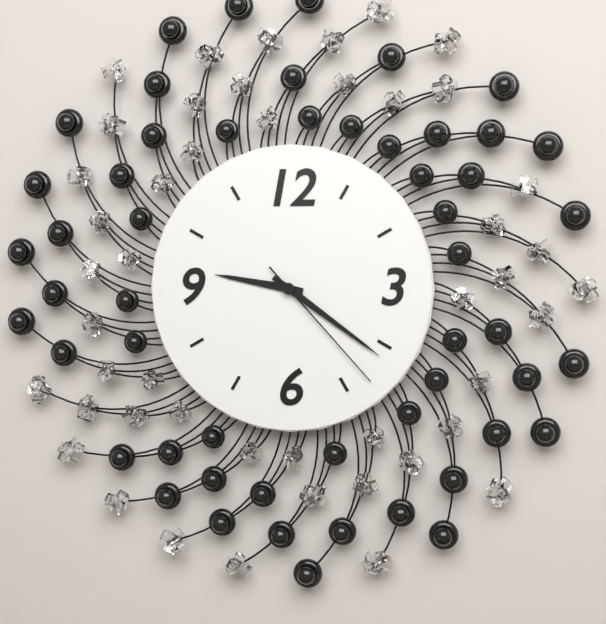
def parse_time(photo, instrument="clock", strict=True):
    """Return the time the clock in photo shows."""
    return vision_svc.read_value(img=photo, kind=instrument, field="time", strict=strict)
9:21:23
